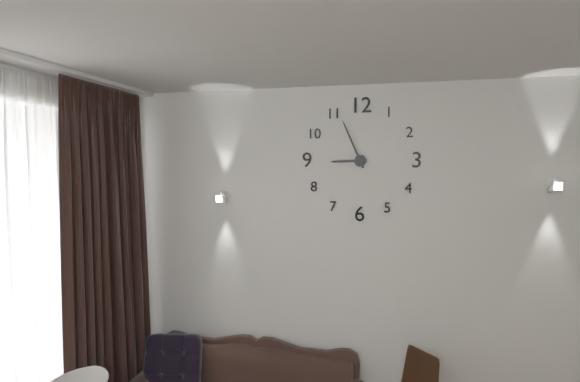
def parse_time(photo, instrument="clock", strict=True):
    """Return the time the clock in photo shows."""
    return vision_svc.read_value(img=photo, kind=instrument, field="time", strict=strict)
8:56
